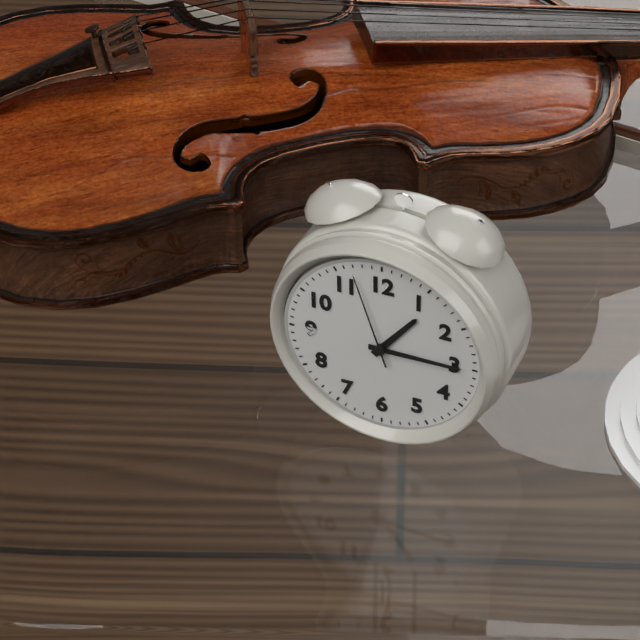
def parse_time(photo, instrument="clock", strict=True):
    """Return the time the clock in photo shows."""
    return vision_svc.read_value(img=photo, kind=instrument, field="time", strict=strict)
1:15:57
